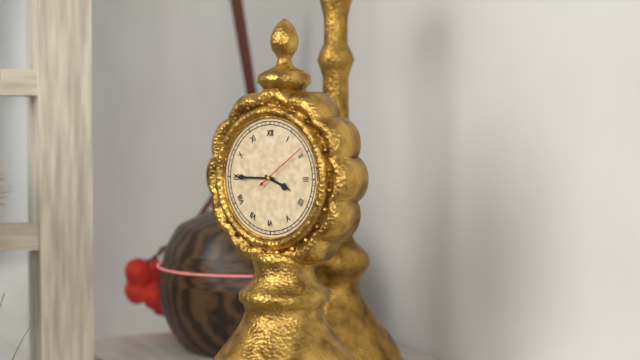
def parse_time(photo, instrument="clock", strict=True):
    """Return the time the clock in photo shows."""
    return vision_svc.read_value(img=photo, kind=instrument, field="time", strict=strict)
3:45:09
